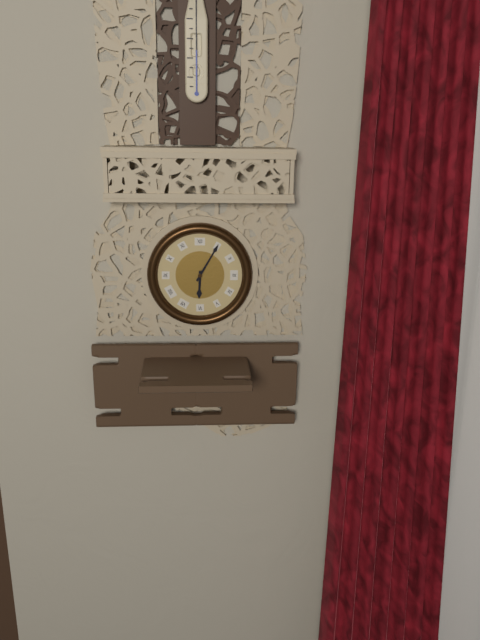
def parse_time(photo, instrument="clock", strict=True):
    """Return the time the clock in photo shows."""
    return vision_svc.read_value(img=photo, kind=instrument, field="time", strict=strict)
6:05
